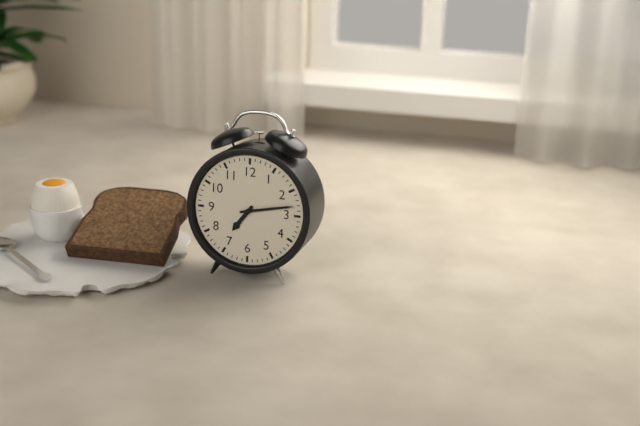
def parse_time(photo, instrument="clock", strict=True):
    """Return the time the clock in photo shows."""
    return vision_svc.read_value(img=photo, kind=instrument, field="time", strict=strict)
7:13
